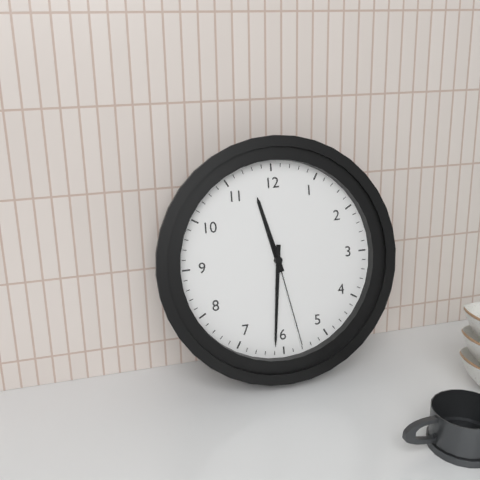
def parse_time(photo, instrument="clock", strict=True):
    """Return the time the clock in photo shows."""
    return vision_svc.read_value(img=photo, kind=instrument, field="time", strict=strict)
11:31:28
